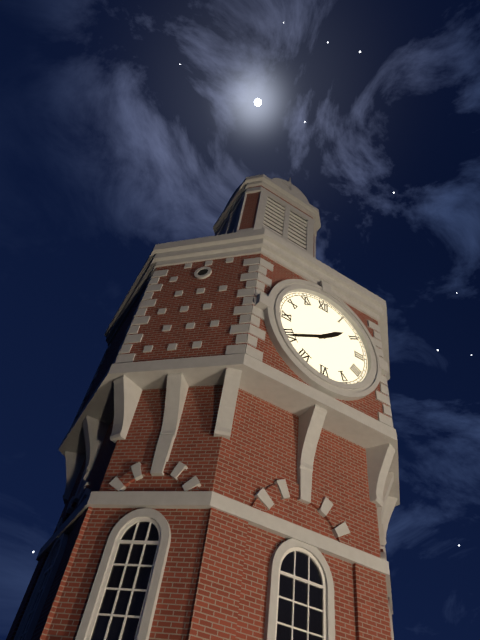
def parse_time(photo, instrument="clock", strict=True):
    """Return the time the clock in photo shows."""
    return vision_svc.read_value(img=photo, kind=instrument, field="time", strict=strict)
1:40
